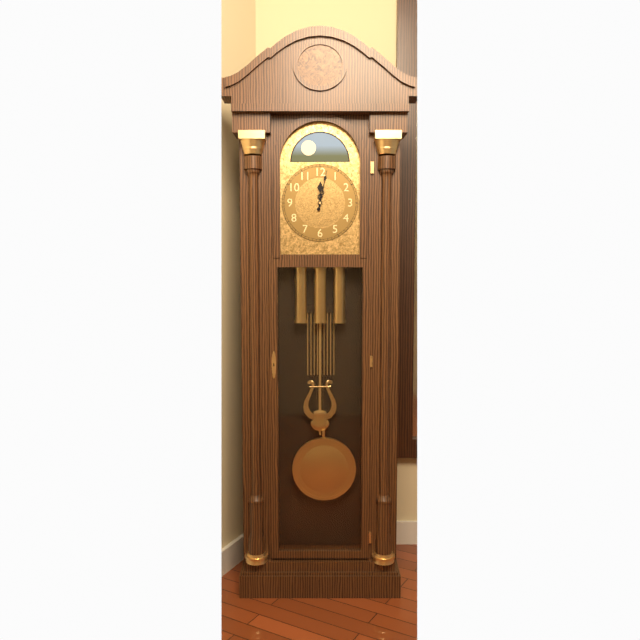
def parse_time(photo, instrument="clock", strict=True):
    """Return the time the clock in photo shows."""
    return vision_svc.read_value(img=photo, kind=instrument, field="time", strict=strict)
12:02
